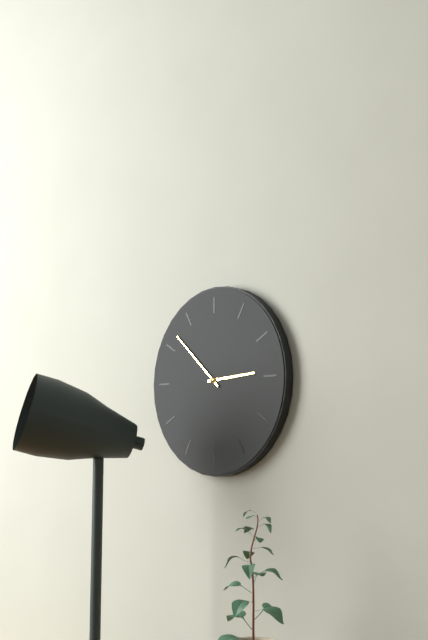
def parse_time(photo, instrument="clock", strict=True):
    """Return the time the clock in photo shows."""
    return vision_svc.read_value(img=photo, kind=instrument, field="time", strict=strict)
2:52
